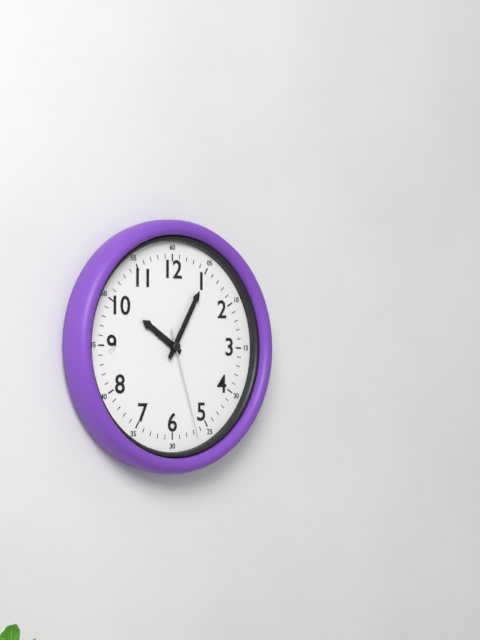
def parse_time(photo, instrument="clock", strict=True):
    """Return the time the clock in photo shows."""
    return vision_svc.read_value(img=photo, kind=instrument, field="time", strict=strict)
10:05:27
